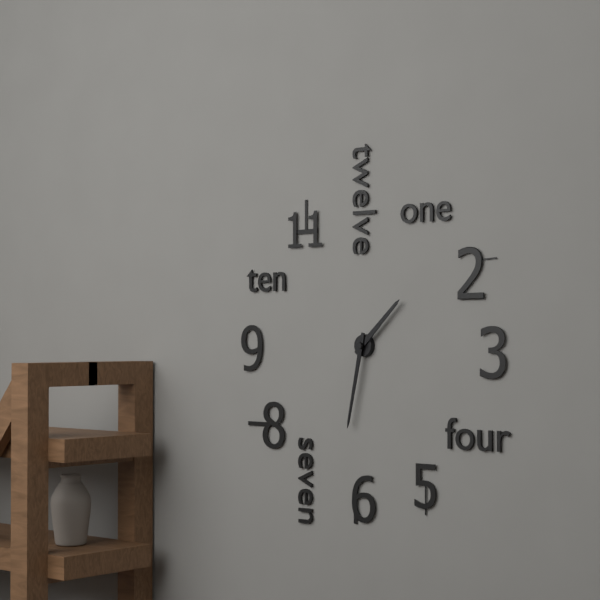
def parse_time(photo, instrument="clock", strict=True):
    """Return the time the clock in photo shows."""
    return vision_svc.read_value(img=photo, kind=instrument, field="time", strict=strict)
1:32
